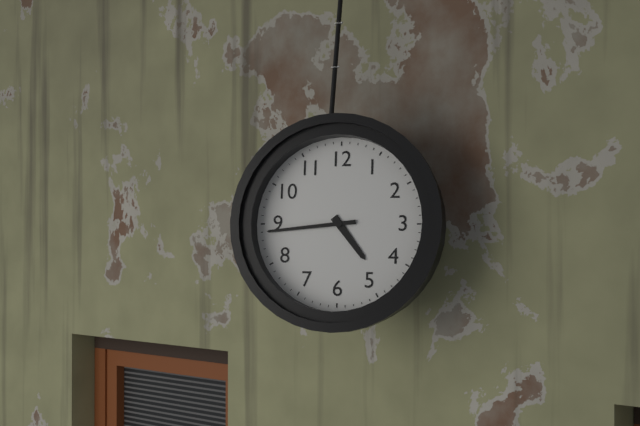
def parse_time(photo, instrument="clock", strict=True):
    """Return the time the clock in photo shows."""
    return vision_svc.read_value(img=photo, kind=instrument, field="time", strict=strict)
4:44
